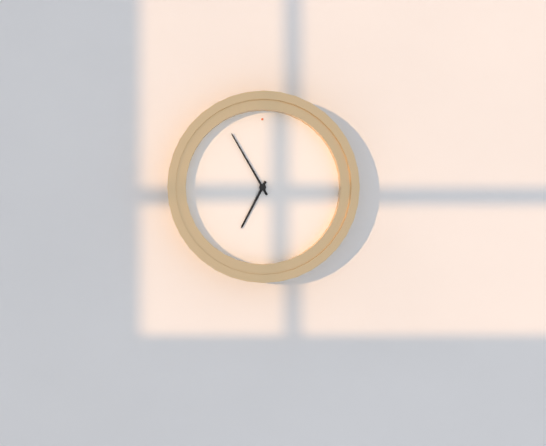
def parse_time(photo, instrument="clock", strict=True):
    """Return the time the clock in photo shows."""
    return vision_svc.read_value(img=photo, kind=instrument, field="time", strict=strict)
6:55
